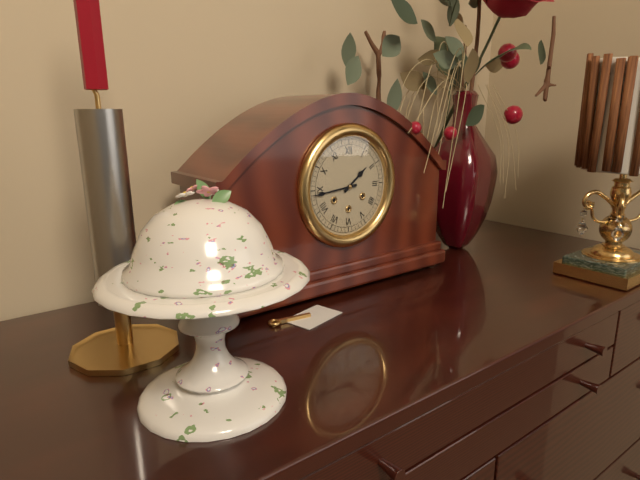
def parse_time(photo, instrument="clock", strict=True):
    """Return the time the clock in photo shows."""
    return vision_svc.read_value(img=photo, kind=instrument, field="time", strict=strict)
1:44
